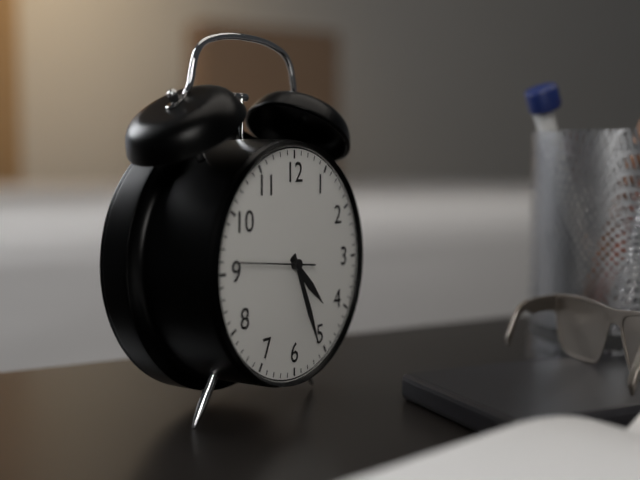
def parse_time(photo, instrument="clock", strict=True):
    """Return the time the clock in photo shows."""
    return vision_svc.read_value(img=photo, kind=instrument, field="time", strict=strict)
4:26:46
